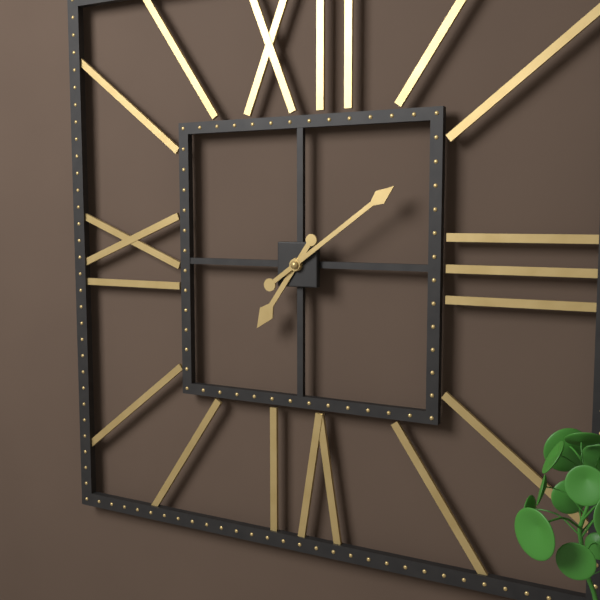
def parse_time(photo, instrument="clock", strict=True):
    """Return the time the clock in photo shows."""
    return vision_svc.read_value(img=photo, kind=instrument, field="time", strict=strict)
7:09
